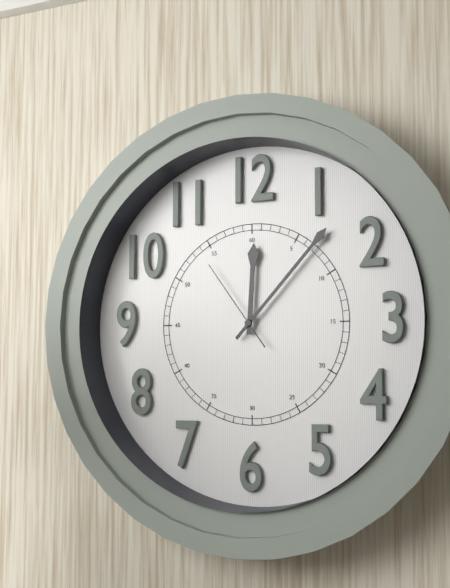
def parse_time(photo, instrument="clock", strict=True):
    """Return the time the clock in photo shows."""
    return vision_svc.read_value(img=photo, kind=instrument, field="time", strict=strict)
12:07:54
